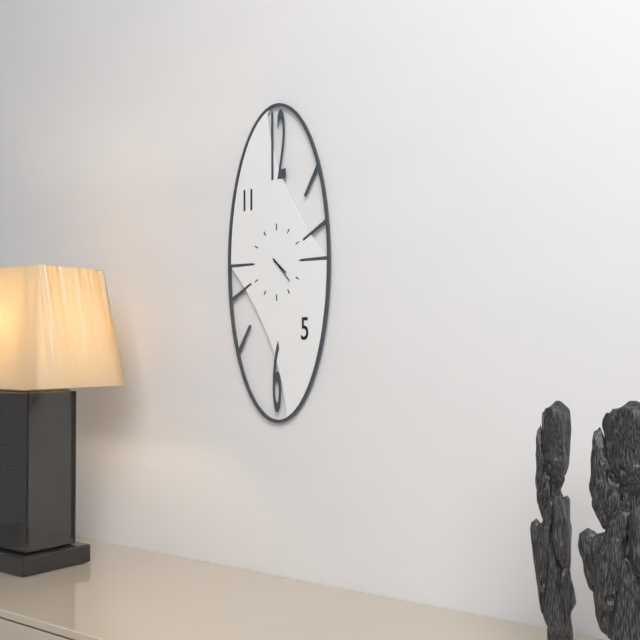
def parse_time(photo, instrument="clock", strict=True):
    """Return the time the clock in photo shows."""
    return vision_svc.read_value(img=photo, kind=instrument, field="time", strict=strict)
4:23
